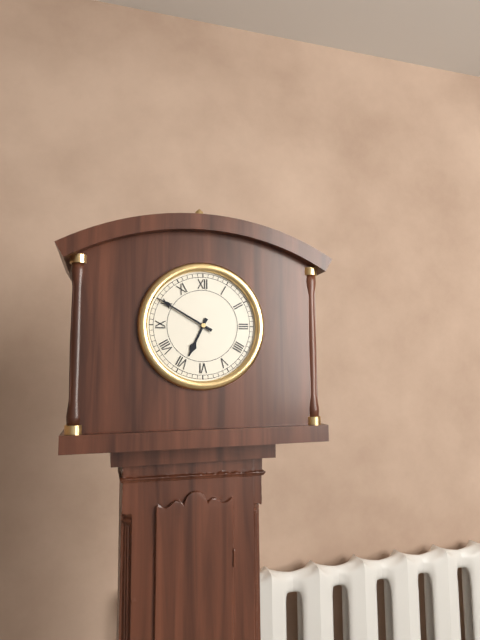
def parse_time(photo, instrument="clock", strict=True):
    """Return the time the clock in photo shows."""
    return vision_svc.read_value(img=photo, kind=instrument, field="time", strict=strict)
6:50
